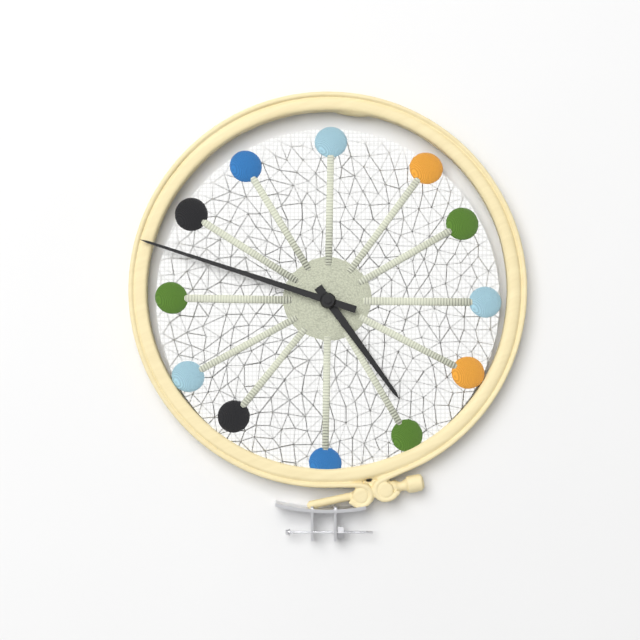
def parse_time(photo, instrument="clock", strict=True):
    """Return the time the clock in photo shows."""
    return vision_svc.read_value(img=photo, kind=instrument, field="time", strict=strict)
4:48
